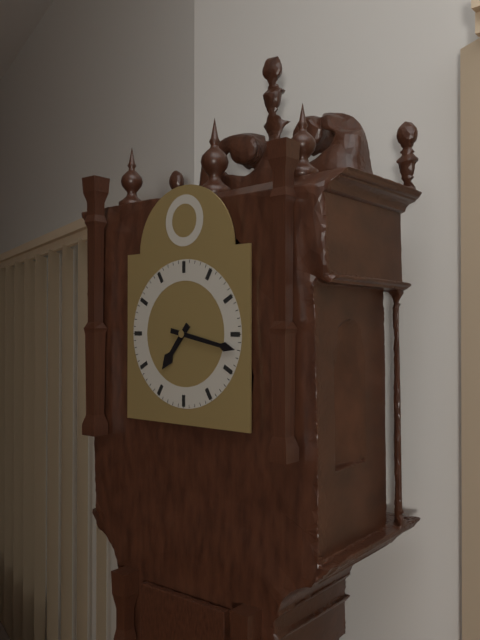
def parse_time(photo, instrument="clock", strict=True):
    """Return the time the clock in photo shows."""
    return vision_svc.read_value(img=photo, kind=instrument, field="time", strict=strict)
7:17
